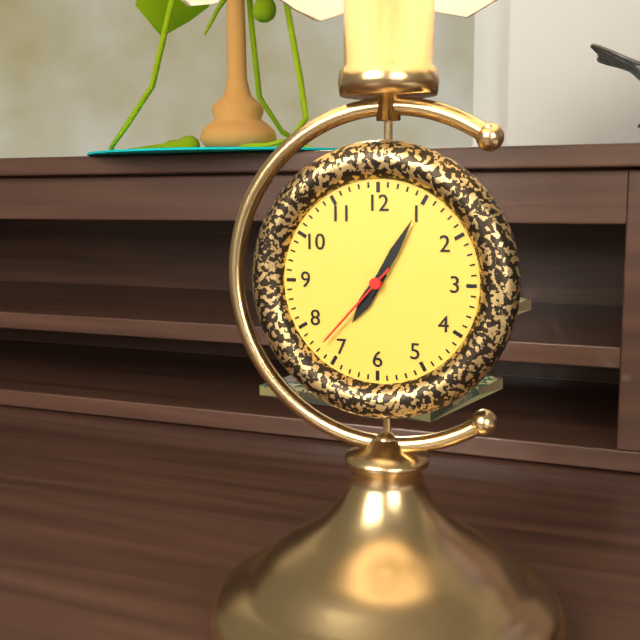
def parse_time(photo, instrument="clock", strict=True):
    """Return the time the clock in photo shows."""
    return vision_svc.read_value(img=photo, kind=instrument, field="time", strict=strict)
7:05:37
